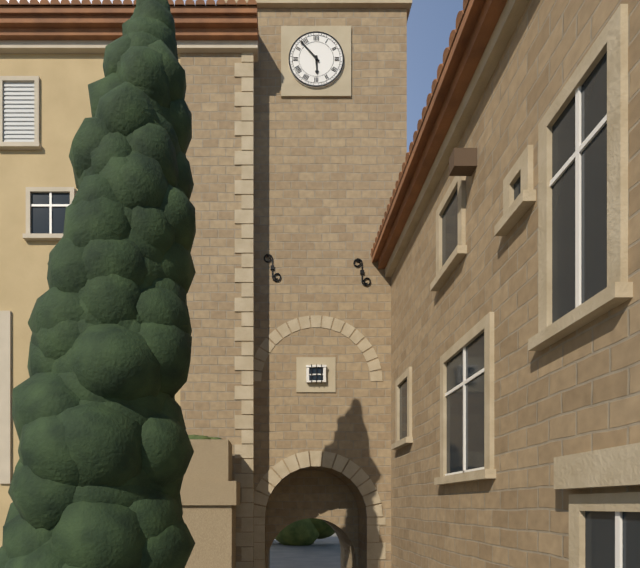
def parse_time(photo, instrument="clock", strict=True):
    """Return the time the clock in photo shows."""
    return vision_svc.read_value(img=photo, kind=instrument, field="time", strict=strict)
5:53
